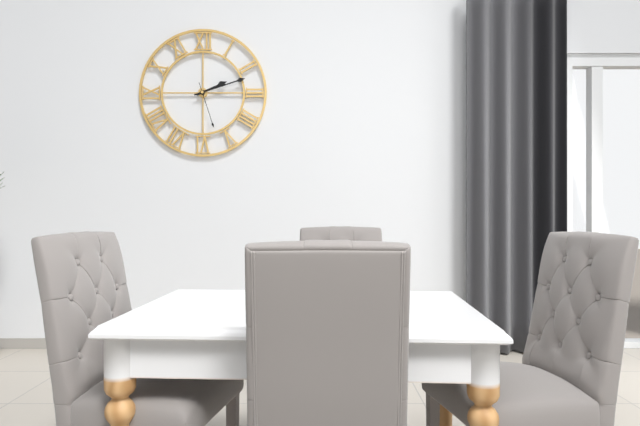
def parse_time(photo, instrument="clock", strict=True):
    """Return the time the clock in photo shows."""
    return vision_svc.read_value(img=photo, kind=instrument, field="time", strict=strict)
2:12
